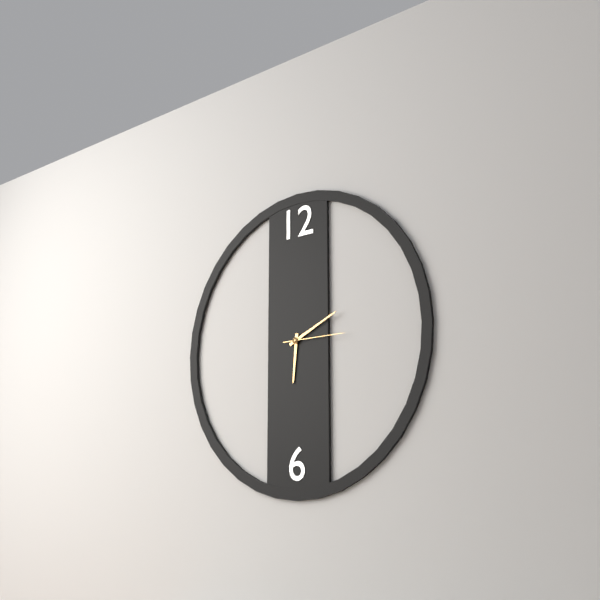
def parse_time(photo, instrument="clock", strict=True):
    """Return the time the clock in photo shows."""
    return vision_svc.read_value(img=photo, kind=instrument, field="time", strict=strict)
6:11:15
